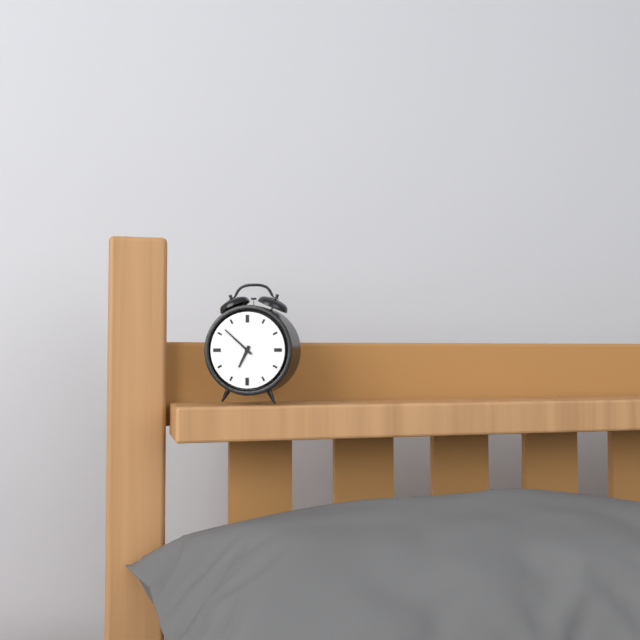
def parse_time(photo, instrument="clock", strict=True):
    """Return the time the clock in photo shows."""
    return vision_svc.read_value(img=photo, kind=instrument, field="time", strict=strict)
6:52
